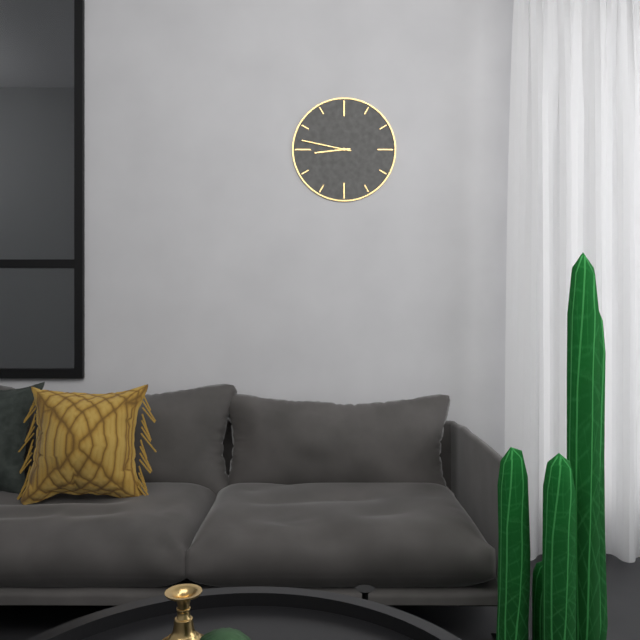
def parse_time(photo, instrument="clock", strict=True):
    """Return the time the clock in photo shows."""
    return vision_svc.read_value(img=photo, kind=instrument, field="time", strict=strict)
8:47
